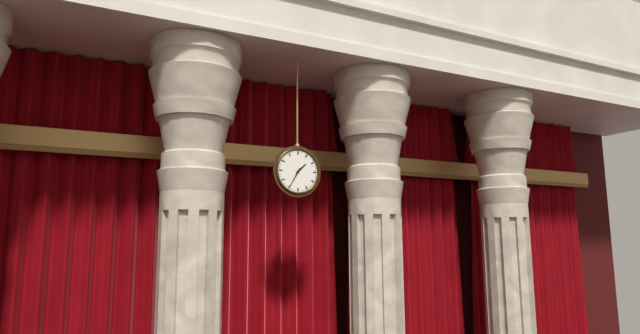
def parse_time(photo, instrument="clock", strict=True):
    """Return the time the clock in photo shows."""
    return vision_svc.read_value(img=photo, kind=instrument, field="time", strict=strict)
1:35
